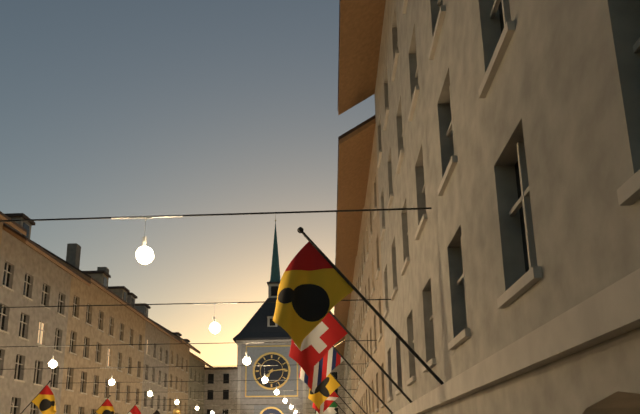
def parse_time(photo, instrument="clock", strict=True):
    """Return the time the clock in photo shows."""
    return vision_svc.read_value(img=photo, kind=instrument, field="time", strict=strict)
7:14
